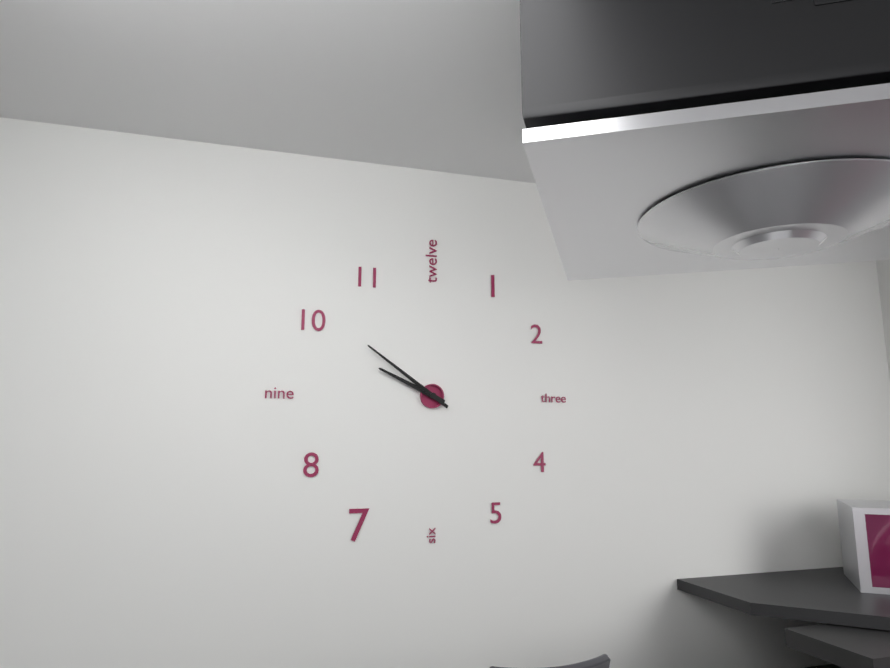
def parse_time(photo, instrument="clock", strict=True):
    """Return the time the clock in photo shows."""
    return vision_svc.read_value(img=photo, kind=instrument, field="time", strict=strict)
9:51
